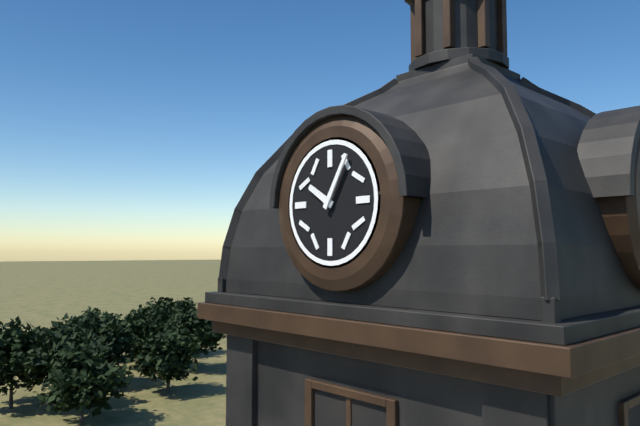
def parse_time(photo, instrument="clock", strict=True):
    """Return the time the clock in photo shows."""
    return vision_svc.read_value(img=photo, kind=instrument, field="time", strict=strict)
10:05
